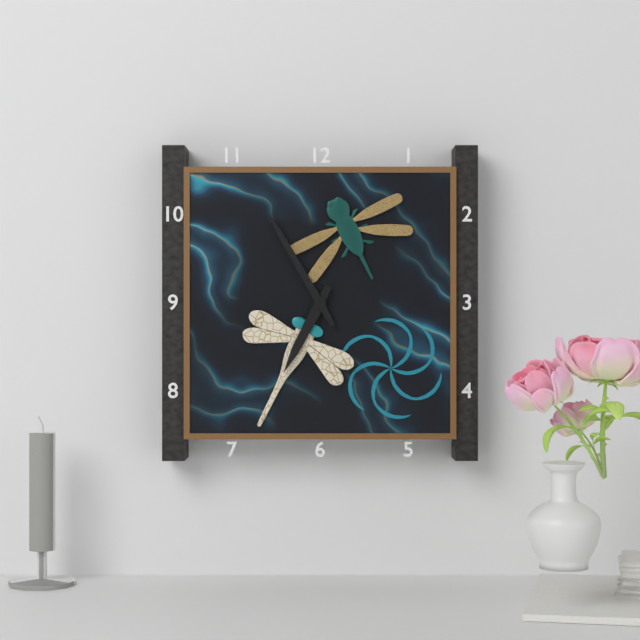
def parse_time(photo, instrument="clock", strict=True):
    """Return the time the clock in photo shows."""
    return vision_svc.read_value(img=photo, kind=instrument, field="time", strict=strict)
6:55
